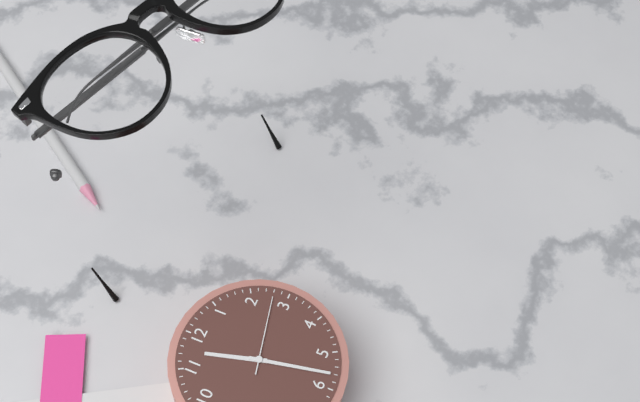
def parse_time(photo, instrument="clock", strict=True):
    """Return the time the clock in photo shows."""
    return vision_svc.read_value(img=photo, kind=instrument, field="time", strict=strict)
11:28:13
